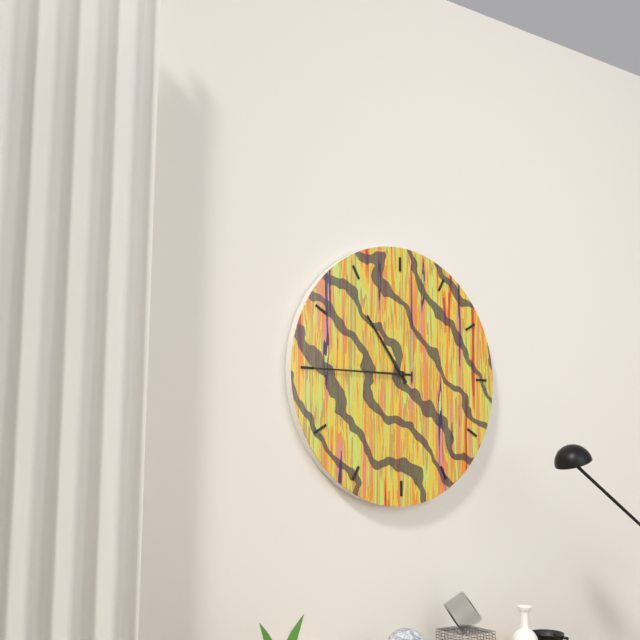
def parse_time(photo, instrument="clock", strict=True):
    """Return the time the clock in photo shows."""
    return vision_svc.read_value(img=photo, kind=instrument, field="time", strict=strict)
10:45
